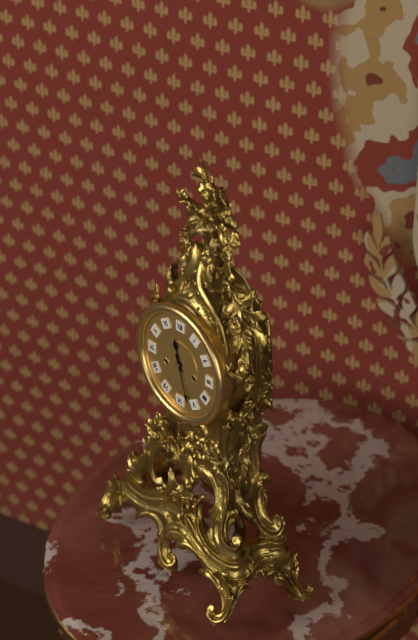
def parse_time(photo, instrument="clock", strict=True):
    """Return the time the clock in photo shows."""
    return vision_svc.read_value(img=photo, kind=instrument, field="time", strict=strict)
11:27
